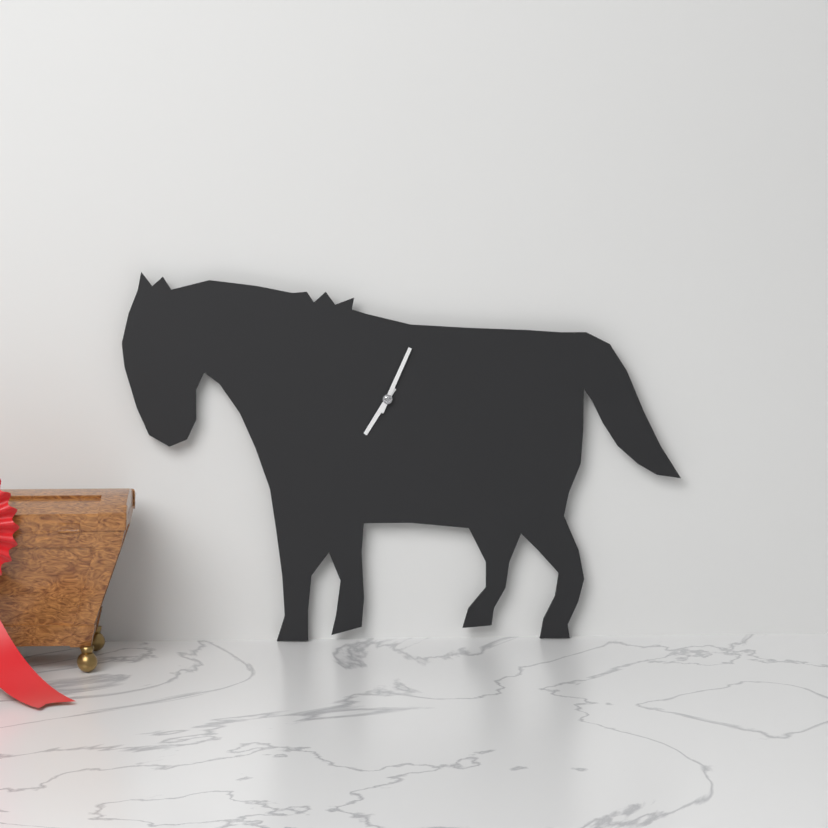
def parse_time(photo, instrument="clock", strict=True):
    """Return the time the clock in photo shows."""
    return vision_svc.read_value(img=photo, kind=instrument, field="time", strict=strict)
7:04
